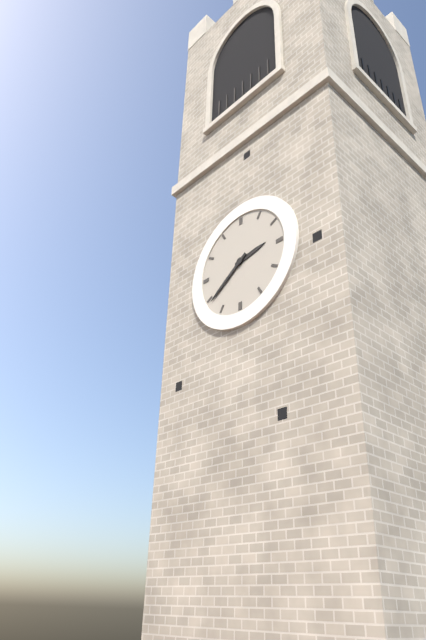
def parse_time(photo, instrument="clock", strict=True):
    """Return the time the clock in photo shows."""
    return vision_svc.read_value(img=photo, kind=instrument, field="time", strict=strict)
2:39
